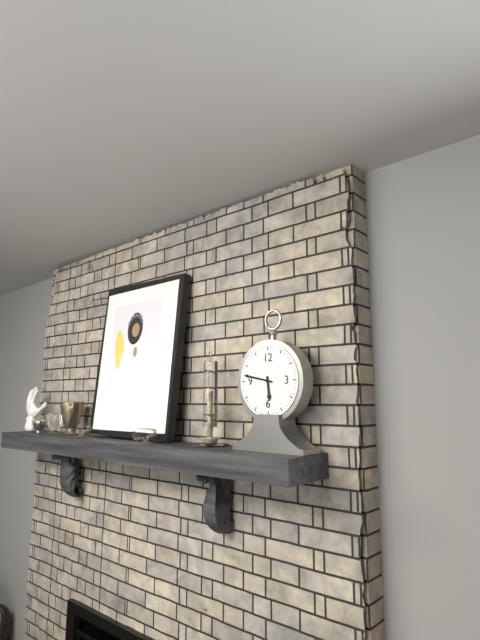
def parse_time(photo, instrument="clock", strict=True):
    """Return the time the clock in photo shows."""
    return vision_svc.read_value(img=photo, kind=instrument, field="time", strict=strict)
5:47
